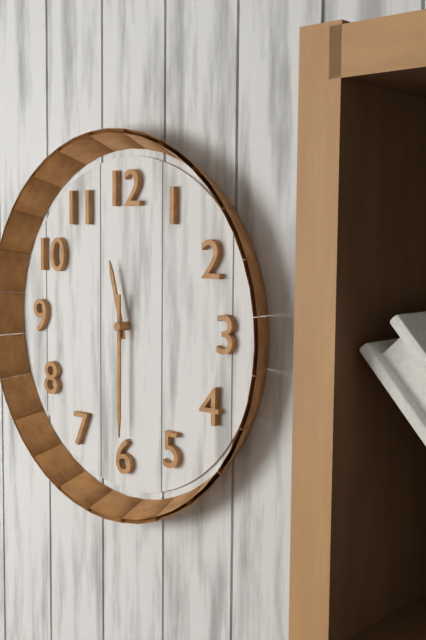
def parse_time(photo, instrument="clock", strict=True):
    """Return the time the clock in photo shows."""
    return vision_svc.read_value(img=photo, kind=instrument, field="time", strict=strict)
11:30
